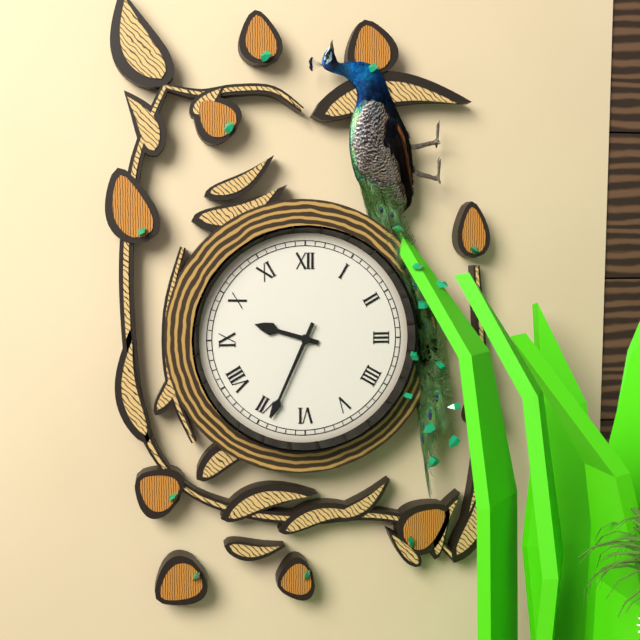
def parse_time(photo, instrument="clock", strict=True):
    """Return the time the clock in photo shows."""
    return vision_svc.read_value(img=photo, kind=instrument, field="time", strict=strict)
9:34
